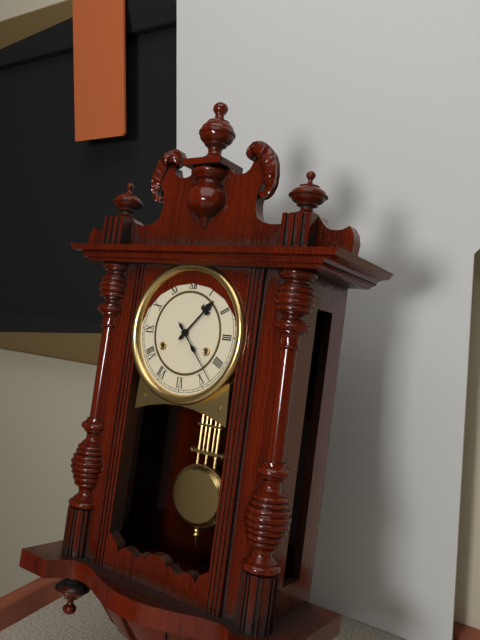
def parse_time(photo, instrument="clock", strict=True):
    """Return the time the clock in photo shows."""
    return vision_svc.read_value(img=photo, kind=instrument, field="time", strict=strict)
1:23
